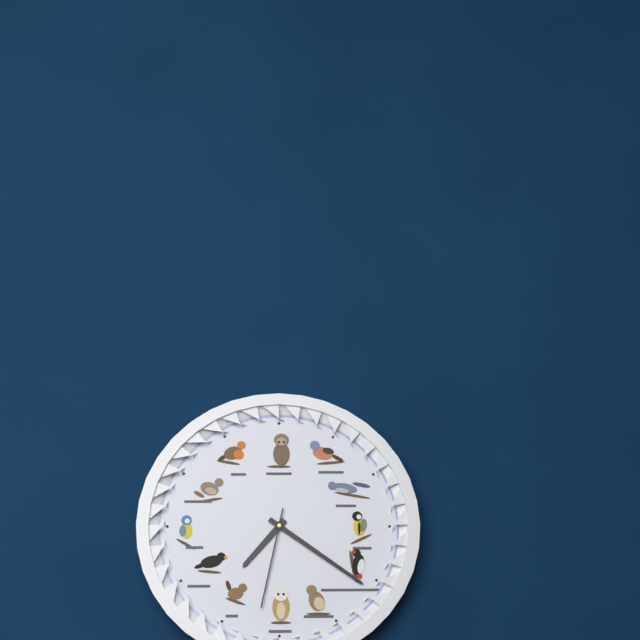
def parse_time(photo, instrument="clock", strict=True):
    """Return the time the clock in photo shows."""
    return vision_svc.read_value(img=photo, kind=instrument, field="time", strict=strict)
7:21:32
